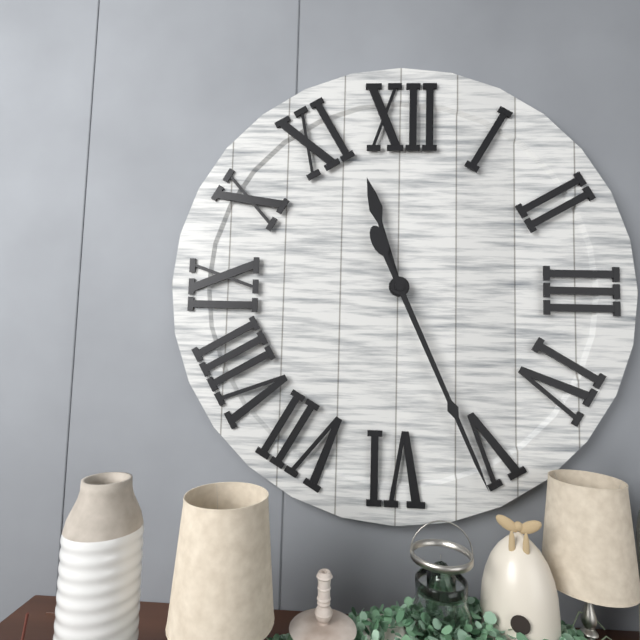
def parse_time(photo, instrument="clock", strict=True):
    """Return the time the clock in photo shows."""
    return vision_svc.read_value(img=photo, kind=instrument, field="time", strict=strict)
11:26
